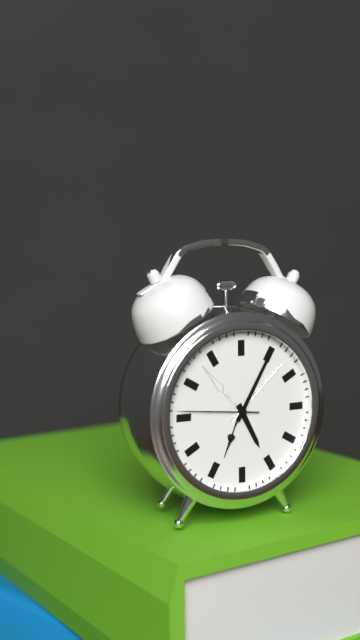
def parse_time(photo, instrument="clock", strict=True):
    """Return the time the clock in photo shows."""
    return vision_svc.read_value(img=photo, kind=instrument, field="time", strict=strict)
5:05:46
